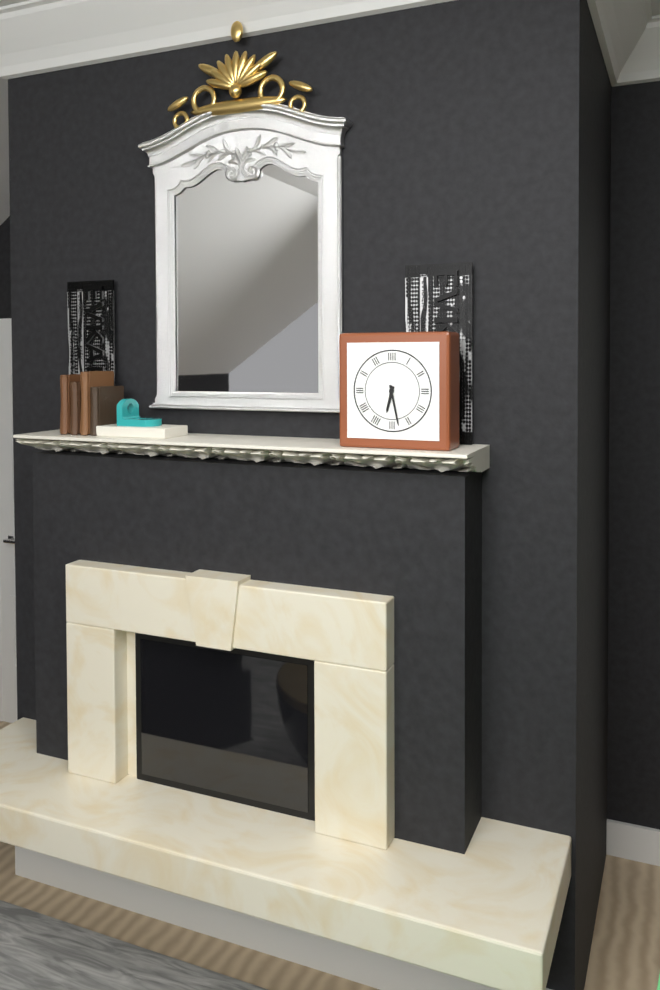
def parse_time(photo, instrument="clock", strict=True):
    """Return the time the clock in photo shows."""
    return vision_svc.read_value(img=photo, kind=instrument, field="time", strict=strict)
6:28
